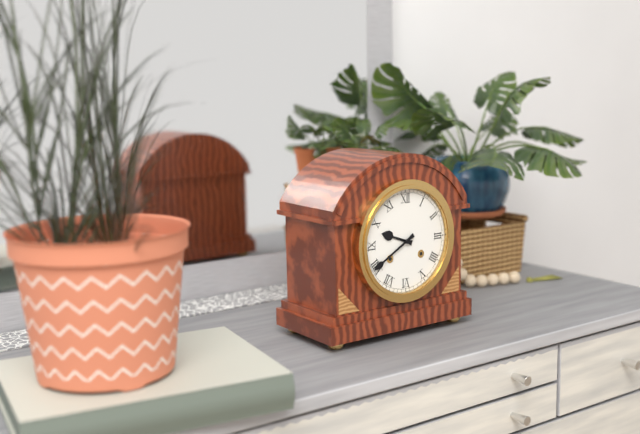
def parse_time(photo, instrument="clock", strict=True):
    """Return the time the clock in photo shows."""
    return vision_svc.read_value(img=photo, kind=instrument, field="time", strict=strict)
9:40
